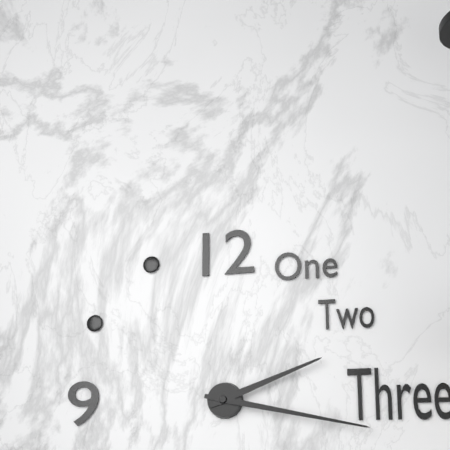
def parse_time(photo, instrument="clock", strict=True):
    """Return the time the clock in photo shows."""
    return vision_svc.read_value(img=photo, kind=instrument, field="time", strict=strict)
2:17
